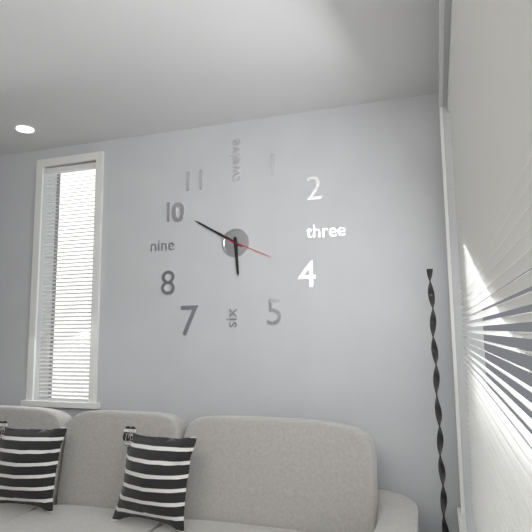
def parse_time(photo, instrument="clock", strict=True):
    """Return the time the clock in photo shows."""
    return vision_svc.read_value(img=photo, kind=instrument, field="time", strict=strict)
5:50:19
